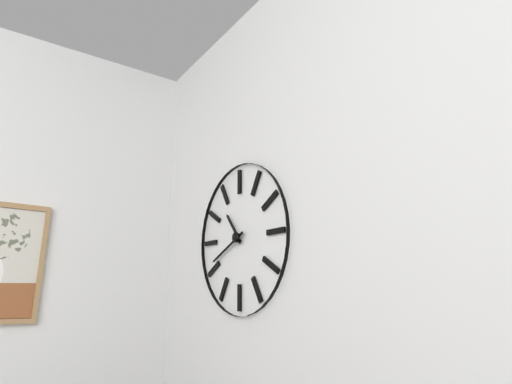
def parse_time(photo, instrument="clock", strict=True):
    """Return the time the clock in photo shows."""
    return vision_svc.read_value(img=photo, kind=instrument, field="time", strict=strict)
10:41
